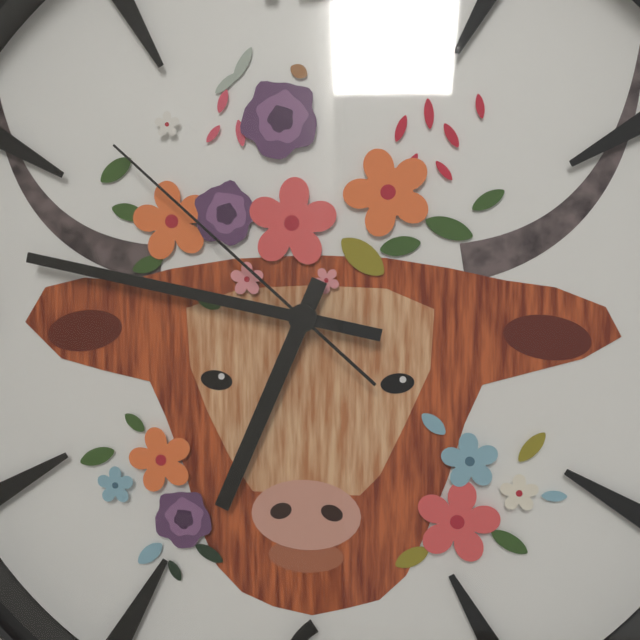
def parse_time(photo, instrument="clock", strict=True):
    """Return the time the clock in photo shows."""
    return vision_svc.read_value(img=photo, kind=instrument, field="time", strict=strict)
6:47:52
